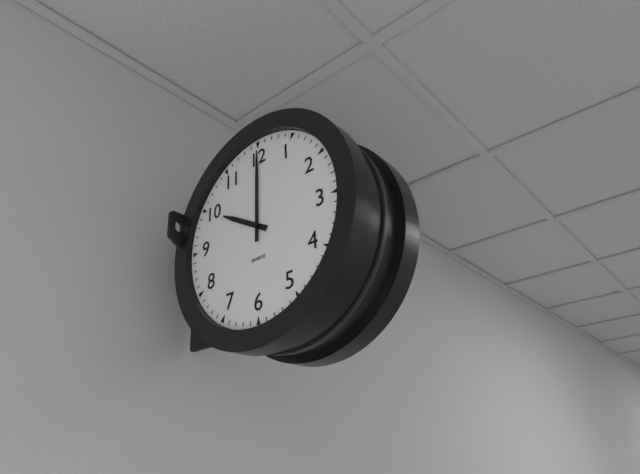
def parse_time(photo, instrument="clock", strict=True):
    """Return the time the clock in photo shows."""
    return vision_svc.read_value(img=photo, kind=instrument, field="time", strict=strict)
10:00
